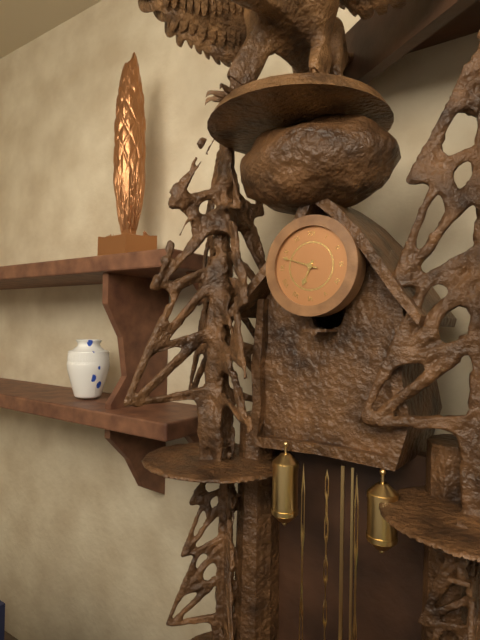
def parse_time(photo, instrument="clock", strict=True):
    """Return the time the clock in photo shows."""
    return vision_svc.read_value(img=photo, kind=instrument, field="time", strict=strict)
6:48
